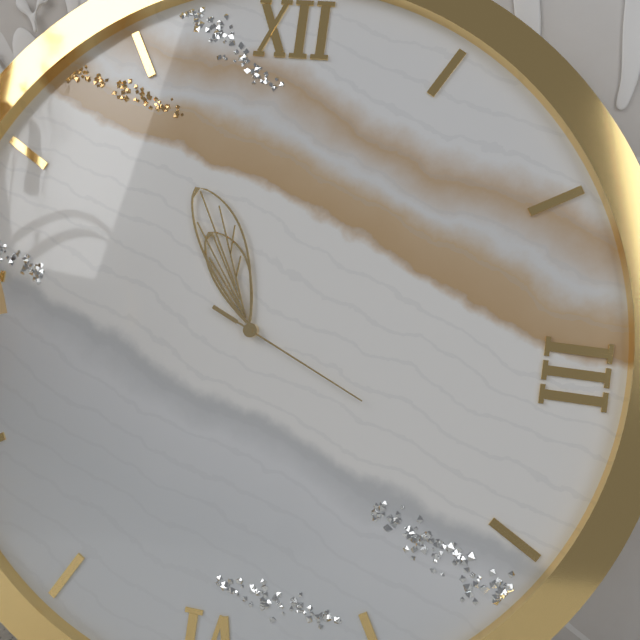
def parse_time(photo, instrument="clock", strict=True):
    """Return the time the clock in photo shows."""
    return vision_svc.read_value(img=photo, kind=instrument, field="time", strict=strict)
10:55:19
